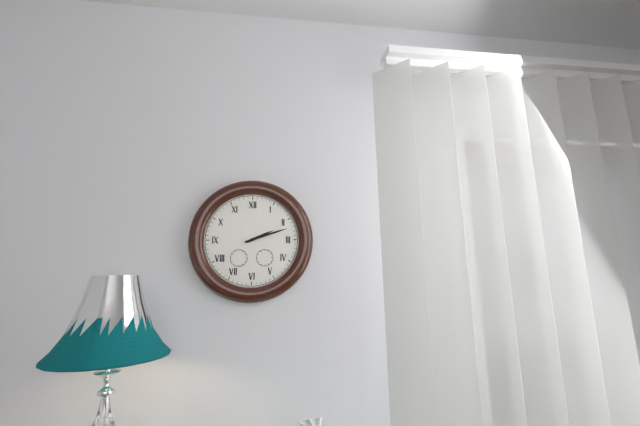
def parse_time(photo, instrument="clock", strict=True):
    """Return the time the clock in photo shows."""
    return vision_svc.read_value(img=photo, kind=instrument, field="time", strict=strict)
2:12
